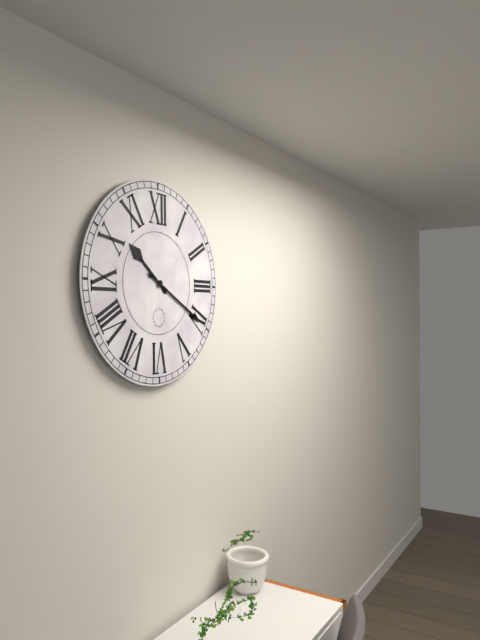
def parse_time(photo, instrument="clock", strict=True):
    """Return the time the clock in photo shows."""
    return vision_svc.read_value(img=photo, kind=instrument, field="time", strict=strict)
10:20
